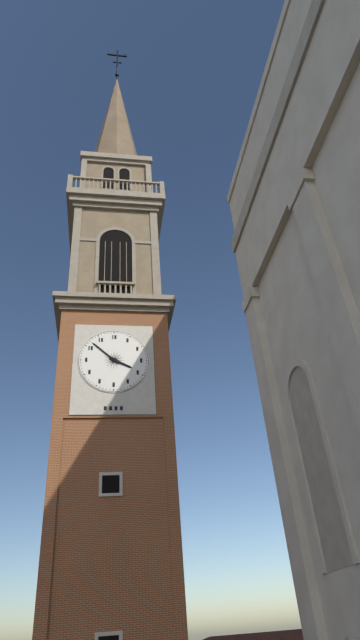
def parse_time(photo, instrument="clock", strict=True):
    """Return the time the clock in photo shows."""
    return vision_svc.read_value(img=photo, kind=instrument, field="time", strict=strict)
3:52
